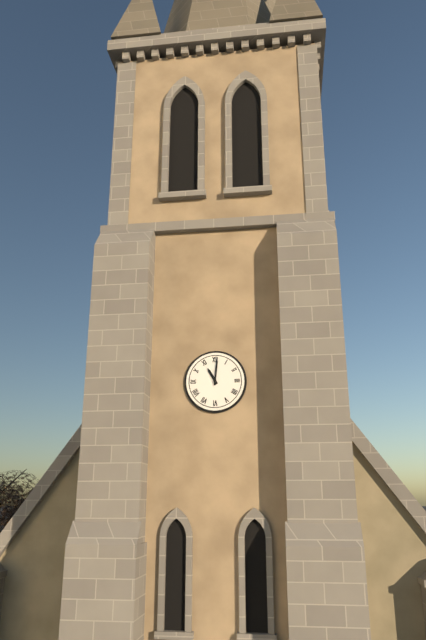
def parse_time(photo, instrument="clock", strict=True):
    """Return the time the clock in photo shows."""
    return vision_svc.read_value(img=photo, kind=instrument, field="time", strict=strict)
11:01
